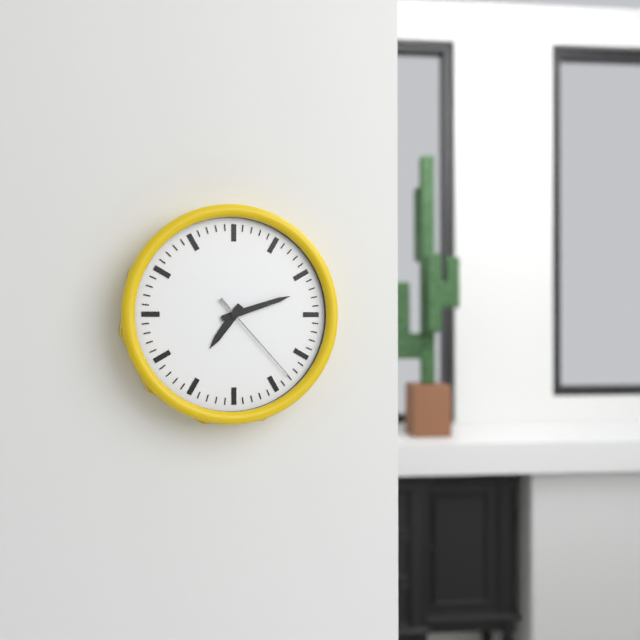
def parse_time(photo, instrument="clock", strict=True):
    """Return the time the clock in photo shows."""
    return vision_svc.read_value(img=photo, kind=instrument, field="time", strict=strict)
7:12:23
